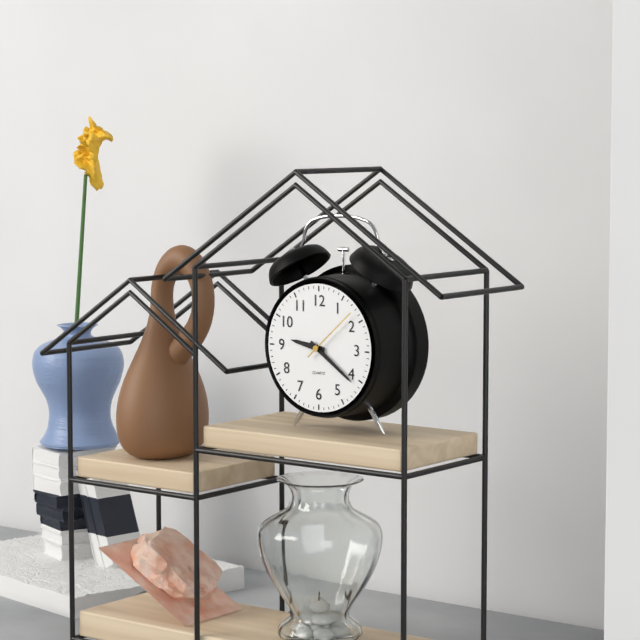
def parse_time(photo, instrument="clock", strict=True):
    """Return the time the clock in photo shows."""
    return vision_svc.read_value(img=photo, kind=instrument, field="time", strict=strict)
9:21:08
